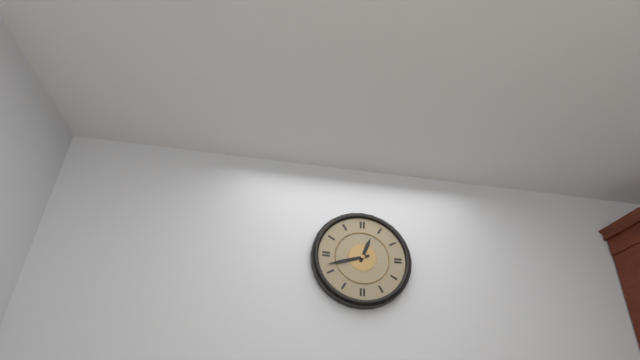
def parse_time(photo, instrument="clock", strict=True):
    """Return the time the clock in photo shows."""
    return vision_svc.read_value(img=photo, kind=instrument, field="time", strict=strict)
12:42
